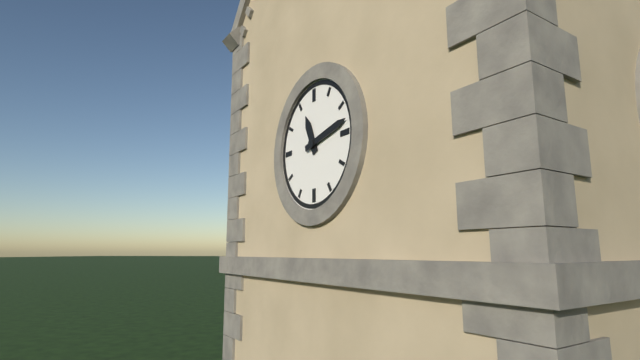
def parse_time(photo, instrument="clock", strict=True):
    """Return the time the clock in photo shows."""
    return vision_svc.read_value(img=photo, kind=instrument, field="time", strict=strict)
11:13
